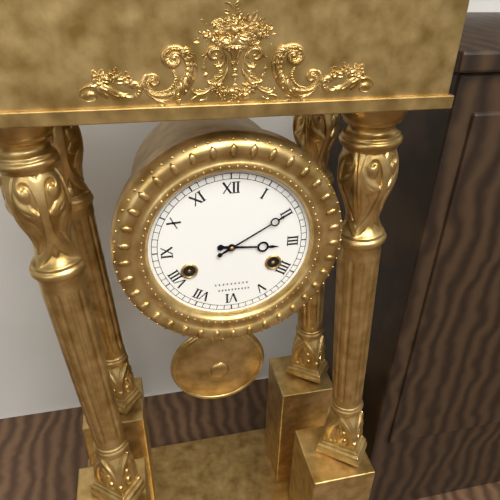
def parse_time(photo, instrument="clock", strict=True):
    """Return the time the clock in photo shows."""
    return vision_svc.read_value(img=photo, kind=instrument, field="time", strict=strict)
3:10
